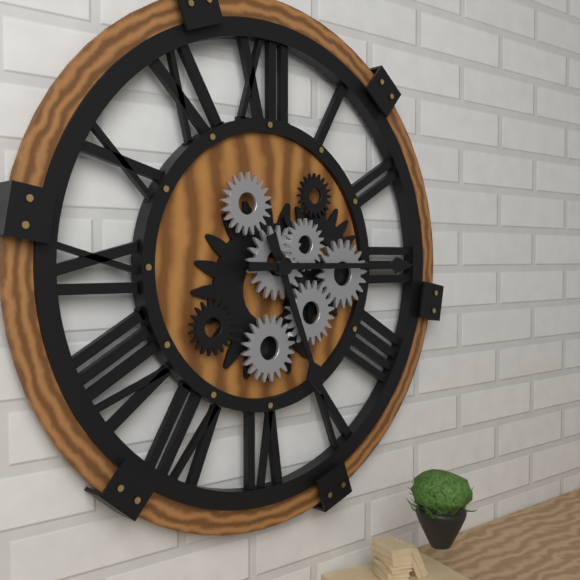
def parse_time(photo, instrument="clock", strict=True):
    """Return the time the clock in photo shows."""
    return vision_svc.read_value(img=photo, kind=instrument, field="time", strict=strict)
5:15
